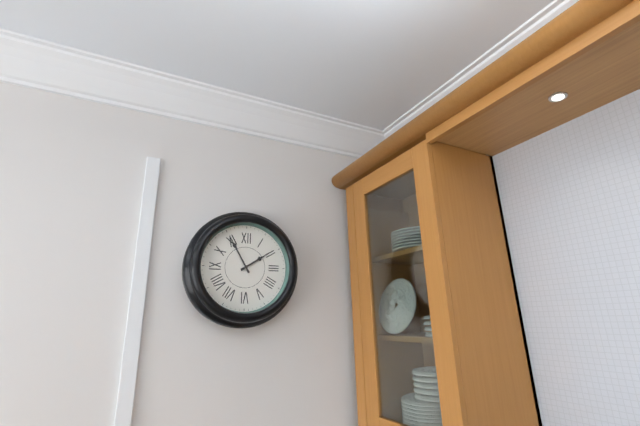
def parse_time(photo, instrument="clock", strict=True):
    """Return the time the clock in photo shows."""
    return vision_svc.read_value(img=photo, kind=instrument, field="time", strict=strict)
1:55
